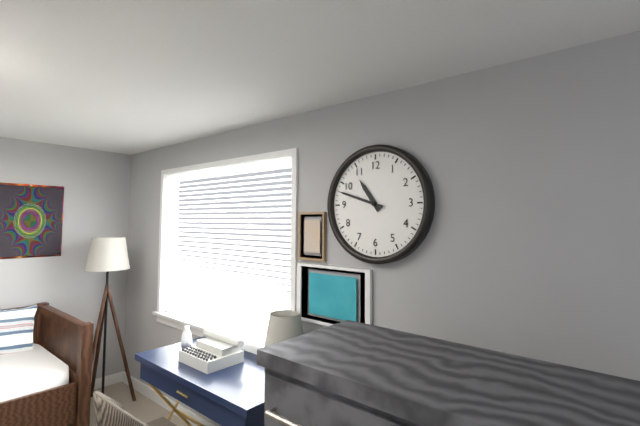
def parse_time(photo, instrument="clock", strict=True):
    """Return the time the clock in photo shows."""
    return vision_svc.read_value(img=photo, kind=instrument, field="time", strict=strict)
10:48
